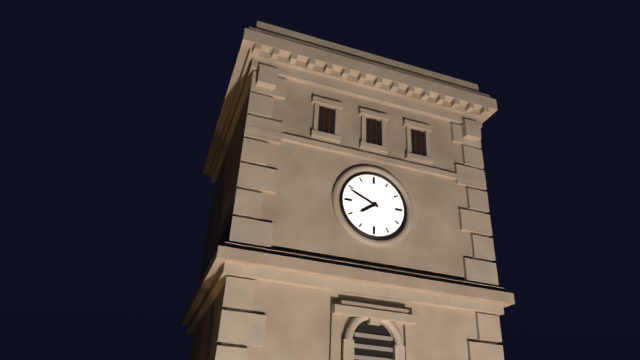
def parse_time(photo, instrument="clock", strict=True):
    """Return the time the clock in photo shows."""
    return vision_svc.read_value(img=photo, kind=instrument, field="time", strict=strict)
7:49
